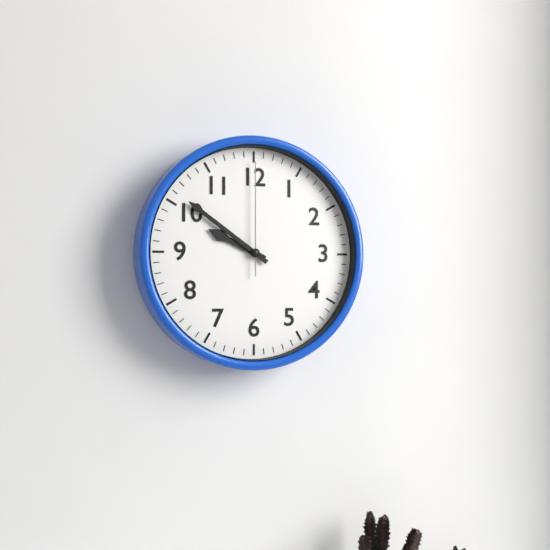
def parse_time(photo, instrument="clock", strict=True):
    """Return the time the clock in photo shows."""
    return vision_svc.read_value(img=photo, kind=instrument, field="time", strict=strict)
9:51:00
